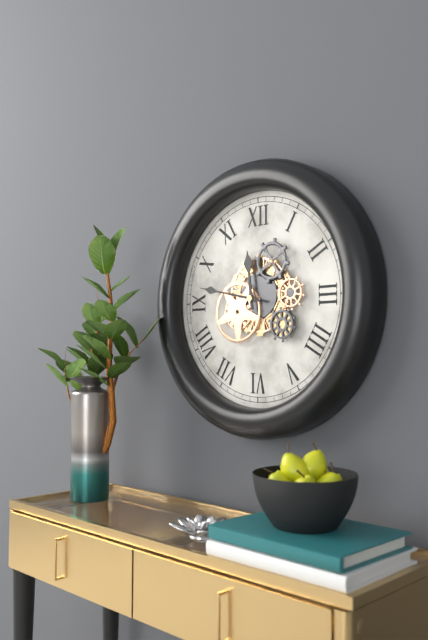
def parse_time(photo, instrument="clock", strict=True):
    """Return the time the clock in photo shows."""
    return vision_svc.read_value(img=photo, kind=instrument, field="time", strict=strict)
11:47
